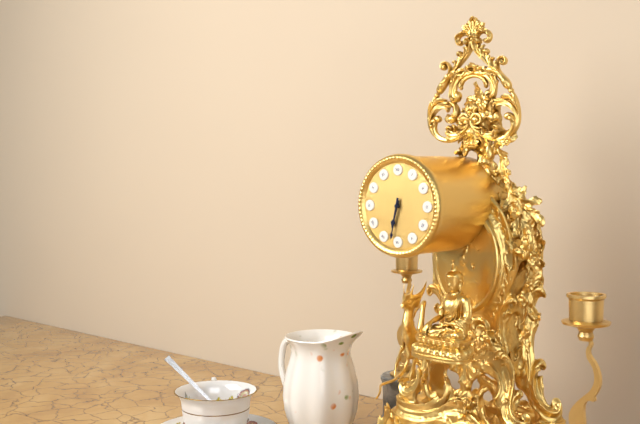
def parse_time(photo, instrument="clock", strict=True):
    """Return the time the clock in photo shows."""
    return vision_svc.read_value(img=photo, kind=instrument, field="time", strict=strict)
6:32
